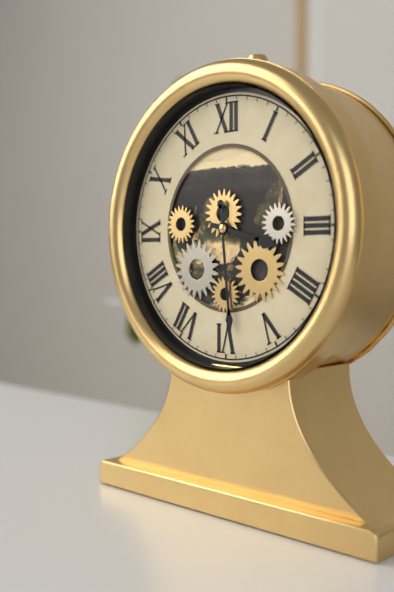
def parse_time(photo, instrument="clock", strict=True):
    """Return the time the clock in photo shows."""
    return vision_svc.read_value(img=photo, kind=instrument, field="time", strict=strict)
3:29
